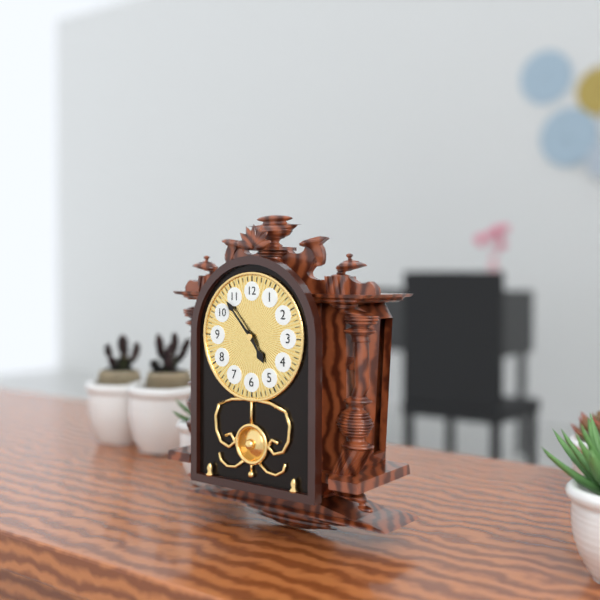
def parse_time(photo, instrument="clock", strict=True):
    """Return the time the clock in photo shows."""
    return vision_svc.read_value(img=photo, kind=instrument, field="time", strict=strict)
4:53
